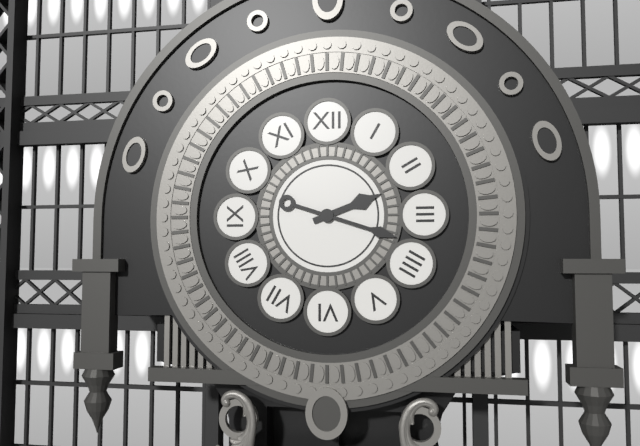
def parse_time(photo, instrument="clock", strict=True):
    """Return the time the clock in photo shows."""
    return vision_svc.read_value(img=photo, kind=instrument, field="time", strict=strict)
2:18
